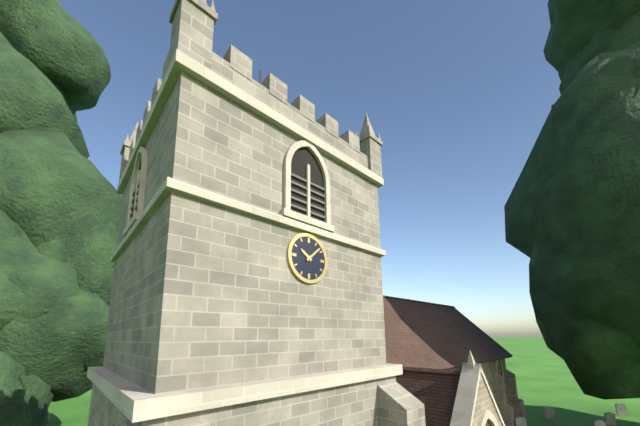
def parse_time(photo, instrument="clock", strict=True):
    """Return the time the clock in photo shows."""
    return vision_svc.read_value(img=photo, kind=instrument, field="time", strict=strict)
10:08
